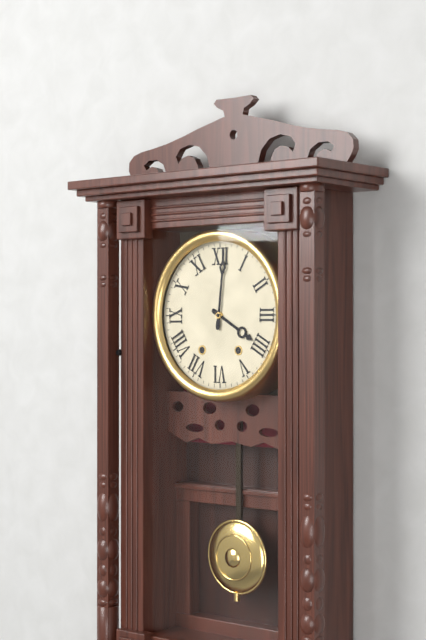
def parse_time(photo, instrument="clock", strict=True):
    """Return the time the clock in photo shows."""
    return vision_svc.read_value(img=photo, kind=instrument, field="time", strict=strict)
4:01
